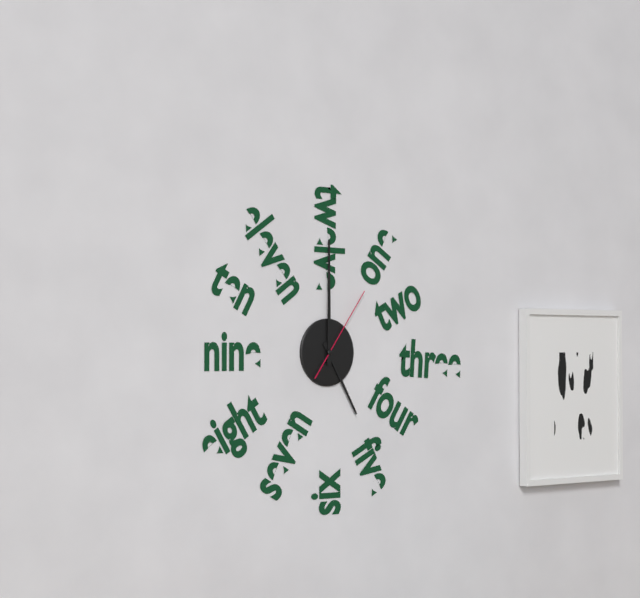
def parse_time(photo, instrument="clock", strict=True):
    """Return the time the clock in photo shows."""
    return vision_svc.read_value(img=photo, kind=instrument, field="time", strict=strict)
5:00:06
